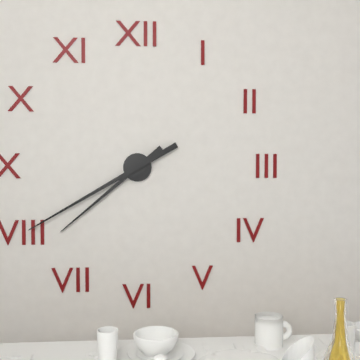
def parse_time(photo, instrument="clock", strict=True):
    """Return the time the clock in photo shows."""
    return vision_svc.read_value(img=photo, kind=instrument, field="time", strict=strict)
7:40
